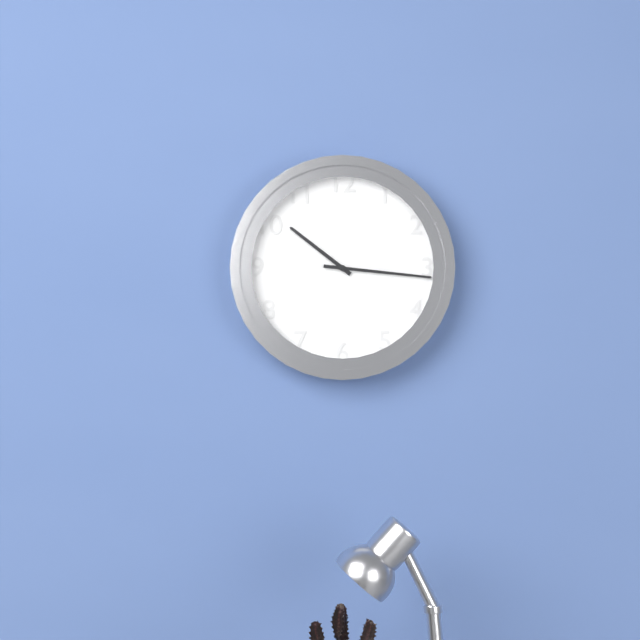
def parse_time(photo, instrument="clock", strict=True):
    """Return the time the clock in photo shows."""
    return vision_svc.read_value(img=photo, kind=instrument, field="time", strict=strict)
10:16
